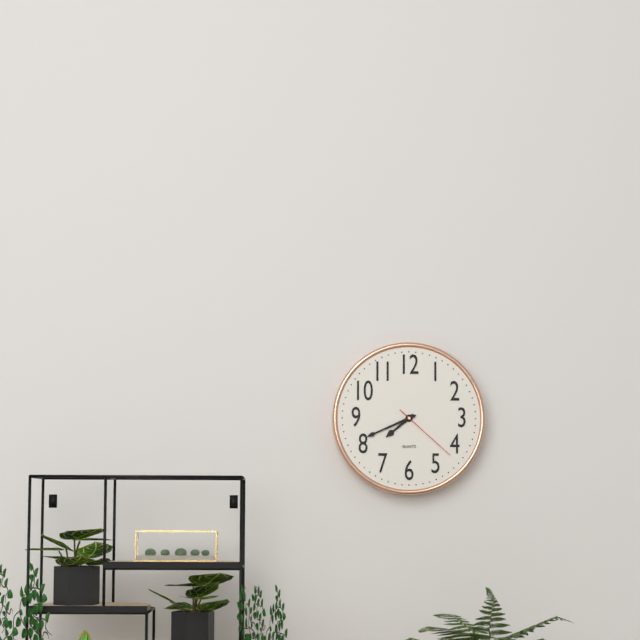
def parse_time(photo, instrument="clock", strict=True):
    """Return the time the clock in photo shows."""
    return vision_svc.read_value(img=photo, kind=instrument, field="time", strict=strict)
7:41:22
